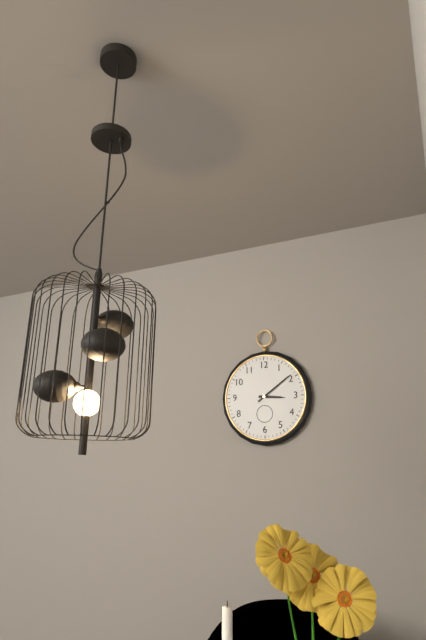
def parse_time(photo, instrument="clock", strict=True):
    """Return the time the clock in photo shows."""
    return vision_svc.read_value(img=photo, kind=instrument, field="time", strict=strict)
3:09
